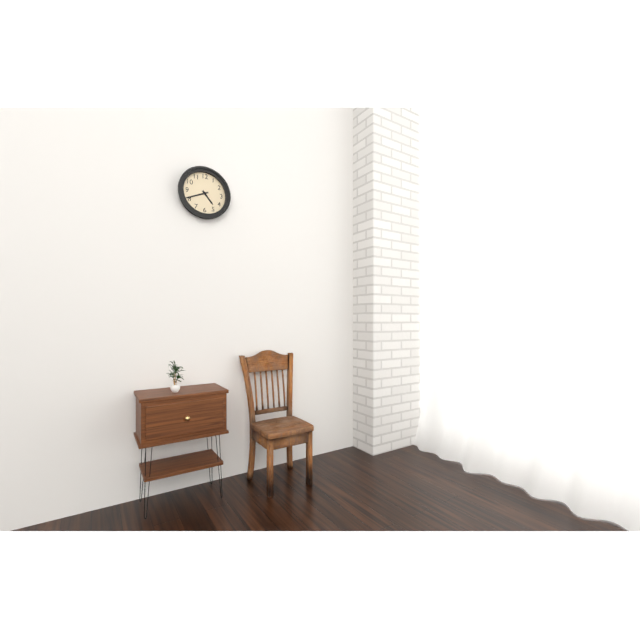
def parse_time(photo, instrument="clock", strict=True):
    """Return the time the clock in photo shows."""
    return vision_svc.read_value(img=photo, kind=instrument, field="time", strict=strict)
4:41
